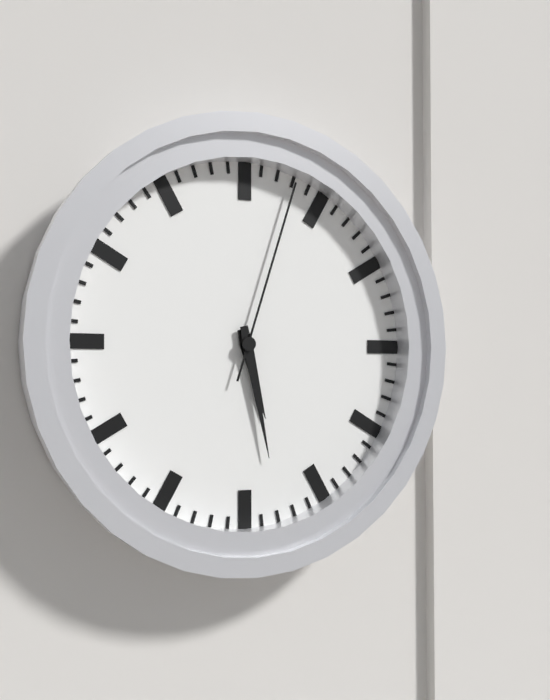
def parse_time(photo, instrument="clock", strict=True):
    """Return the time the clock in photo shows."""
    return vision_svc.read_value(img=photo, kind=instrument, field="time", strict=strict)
5:28:03
